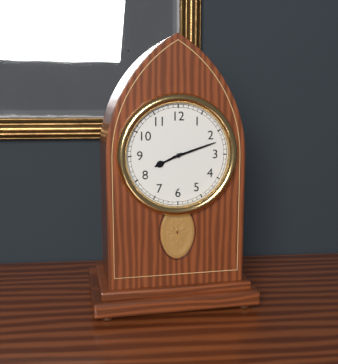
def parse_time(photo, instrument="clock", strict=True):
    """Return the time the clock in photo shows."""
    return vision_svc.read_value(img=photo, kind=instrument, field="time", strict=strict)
8:12
